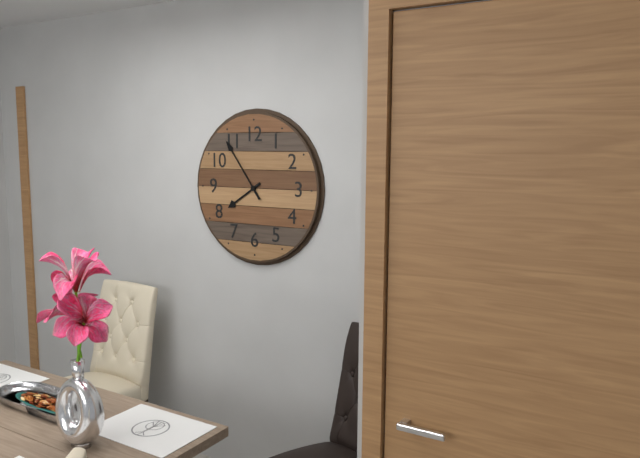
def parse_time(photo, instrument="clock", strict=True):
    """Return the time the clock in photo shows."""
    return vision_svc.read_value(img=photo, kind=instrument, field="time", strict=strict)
7:54
